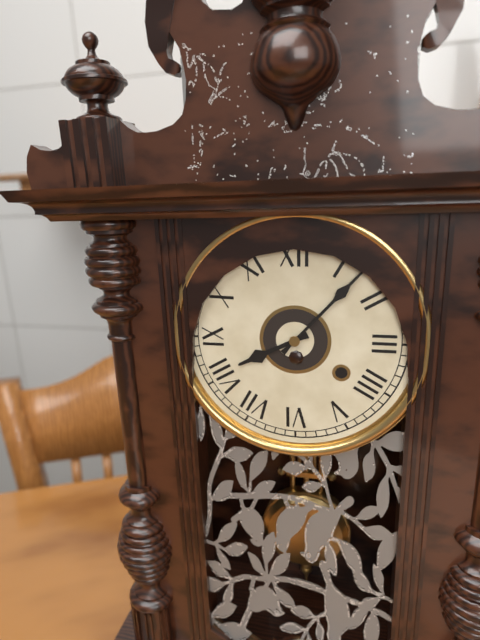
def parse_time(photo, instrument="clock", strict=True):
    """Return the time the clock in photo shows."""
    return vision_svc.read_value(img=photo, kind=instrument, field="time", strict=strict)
8:07
